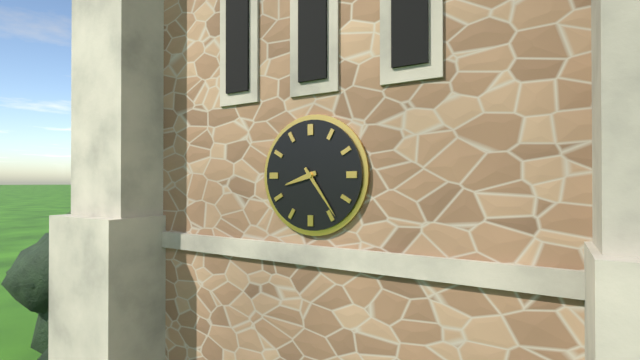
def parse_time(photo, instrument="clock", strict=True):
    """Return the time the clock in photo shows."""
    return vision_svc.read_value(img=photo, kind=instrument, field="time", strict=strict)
8:24
